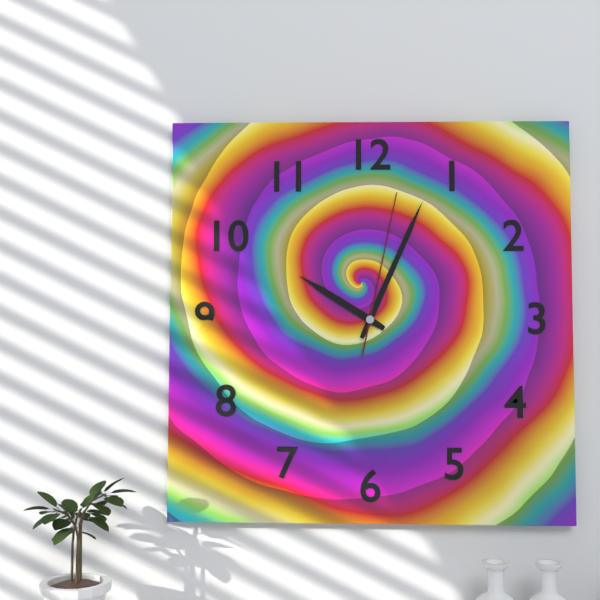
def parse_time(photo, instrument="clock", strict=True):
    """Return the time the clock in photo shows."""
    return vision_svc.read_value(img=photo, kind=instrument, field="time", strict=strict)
10:04:02
